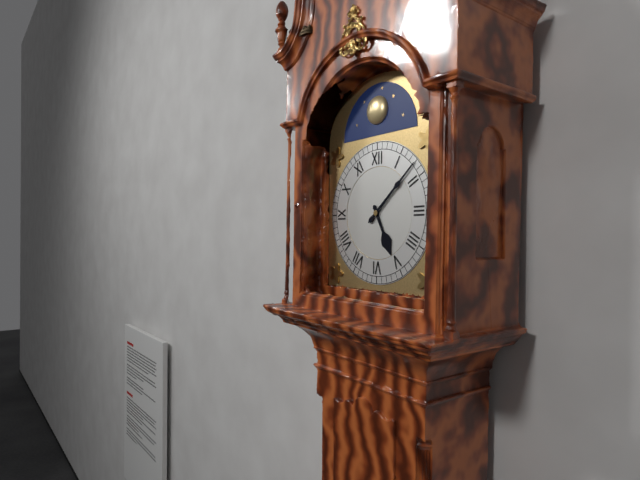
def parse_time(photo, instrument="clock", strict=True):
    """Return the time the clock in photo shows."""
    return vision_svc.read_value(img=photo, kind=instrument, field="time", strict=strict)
5:08
